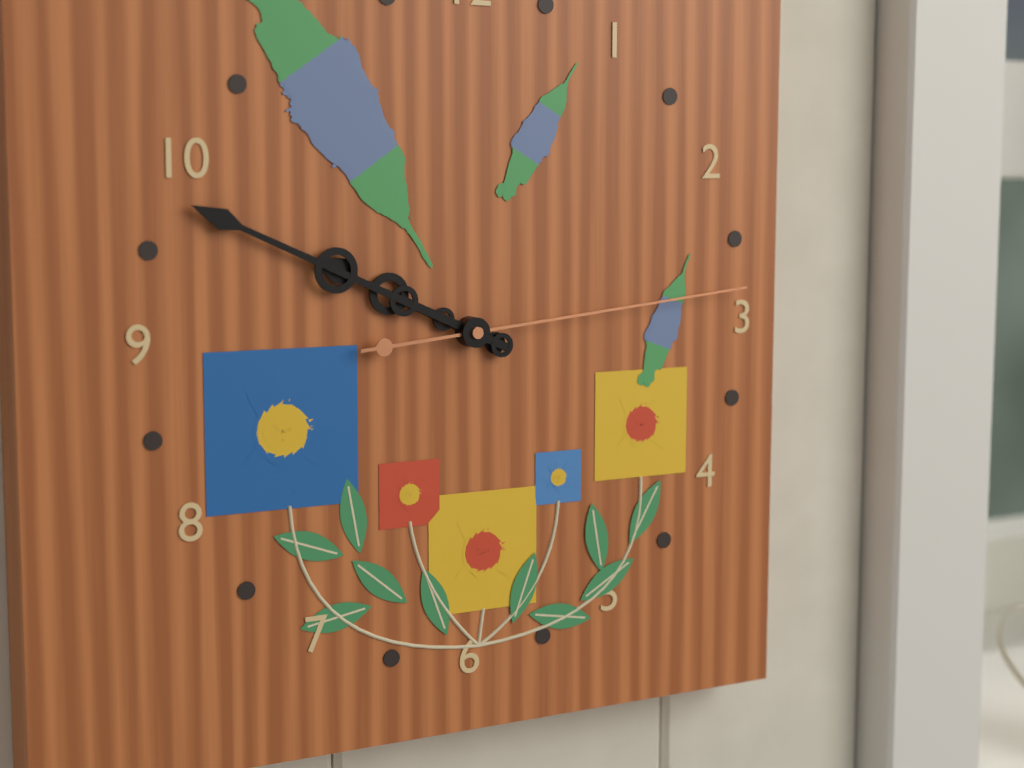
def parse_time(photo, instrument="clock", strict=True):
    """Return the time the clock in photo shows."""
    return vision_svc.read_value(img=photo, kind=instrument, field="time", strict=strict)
9:49:14
